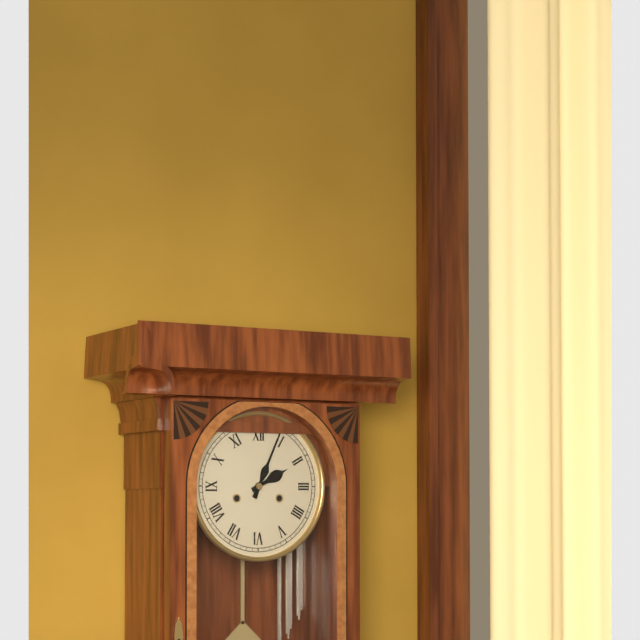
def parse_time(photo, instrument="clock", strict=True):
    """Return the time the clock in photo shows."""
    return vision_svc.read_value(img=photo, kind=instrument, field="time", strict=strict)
2:04
